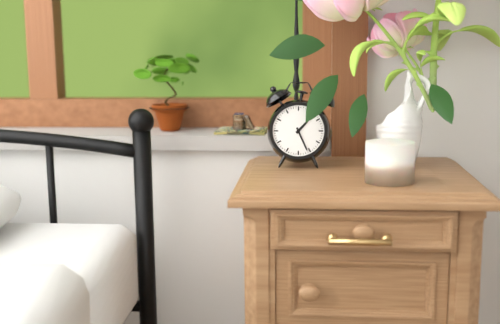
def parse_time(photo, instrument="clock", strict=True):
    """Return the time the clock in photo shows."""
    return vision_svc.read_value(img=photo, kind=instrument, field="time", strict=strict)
1:26
